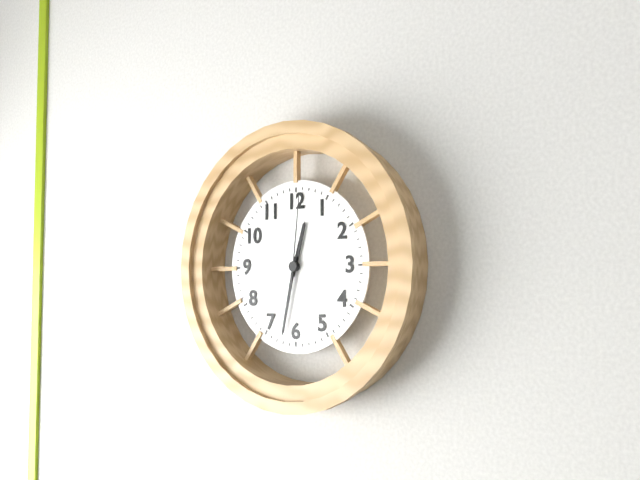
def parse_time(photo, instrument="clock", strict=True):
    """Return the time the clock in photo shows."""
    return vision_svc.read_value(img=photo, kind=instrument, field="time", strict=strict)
12:32:01
